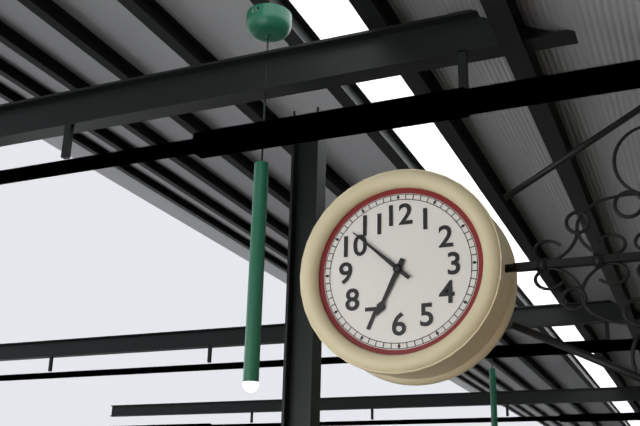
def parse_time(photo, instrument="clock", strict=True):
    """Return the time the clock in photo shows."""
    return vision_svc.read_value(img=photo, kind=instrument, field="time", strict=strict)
6:52
